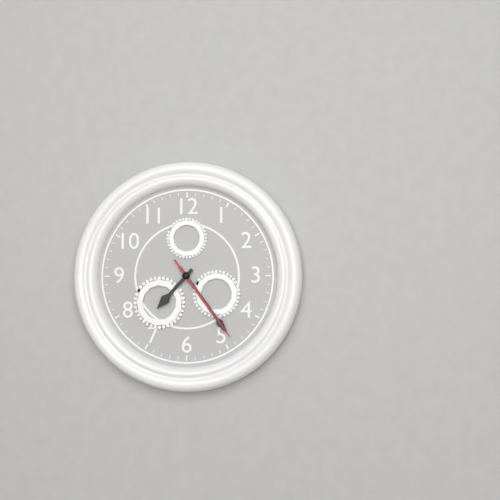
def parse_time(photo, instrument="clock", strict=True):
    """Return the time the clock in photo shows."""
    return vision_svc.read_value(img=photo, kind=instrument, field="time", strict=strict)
7:24:24
